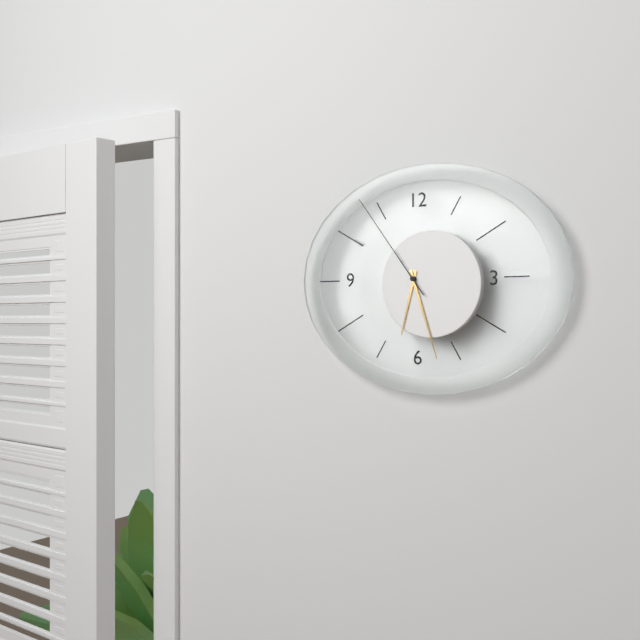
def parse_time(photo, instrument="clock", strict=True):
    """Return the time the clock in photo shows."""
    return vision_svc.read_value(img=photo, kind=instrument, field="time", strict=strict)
6:27:54
